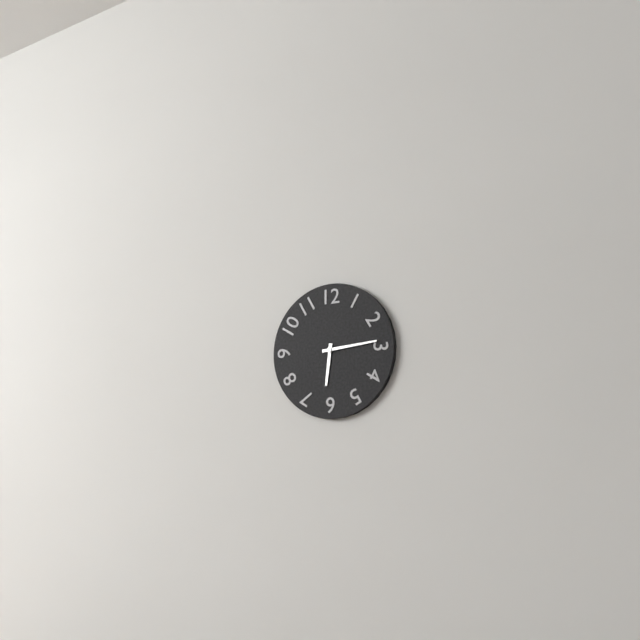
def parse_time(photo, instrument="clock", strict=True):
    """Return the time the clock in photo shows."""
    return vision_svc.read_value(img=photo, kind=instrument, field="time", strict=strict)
6:14
